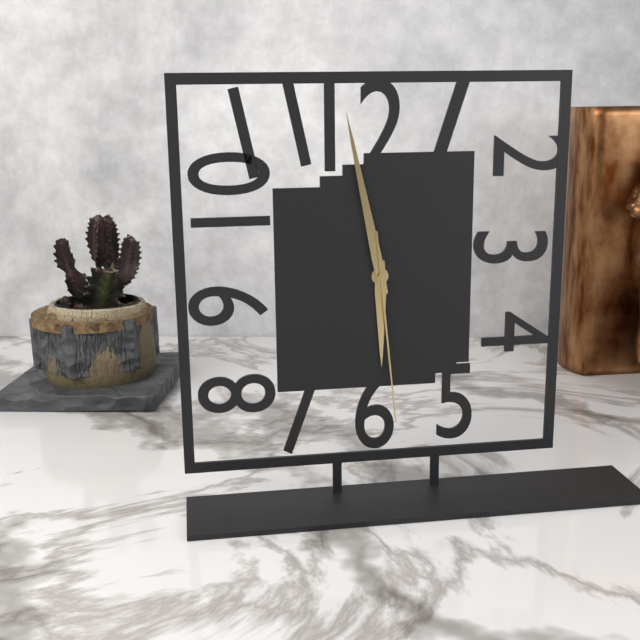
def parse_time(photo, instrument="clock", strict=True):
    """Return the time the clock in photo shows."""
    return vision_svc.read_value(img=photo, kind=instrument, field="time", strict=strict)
5:58:29
